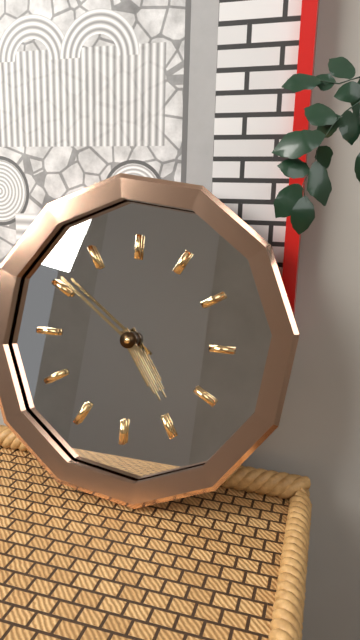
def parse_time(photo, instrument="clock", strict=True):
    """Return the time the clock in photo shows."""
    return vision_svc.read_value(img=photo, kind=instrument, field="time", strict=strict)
4:51
